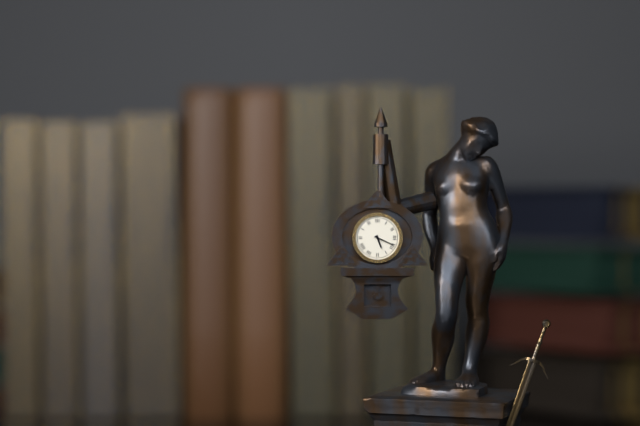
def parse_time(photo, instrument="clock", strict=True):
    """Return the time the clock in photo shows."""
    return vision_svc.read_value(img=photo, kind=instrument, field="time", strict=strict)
5:19
